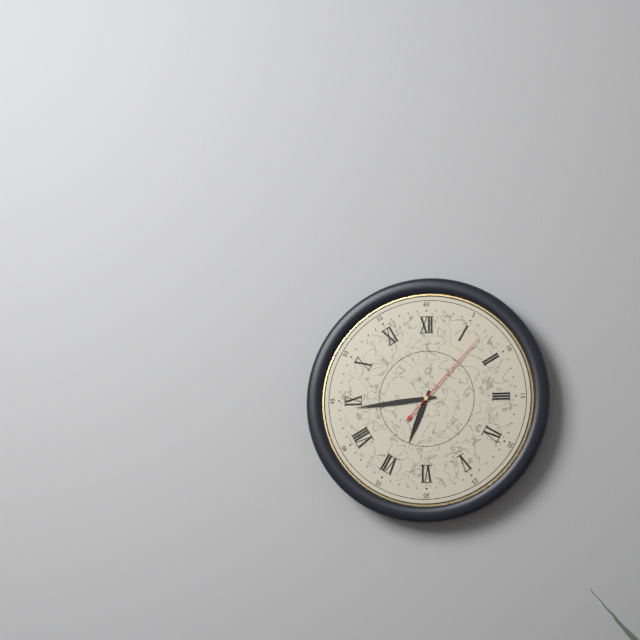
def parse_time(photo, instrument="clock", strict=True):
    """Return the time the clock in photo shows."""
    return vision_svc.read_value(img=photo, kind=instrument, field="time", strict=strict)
6:44:07
